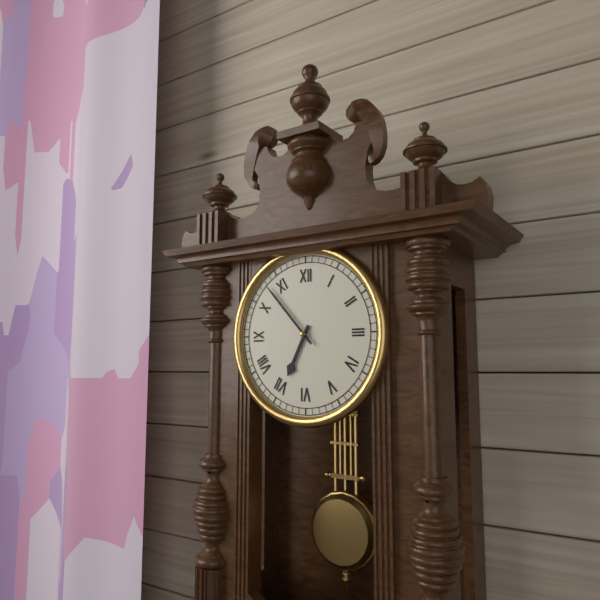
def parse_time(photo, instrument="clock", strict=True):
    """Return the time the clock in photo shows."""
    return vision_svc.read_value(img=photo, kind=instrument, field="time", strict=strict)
6:53
